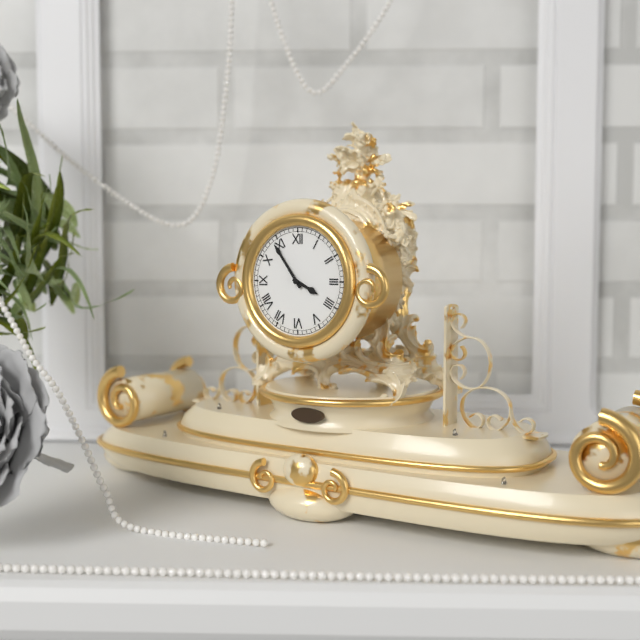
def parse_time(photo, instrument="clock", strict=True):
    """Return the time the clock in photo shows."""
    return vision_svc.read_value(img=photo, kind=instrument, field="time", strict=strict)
3:54
